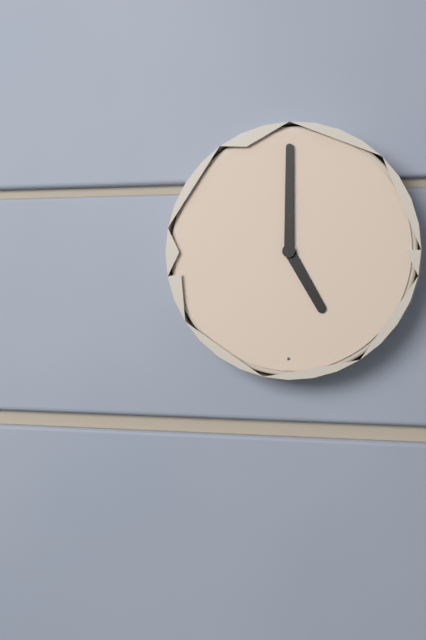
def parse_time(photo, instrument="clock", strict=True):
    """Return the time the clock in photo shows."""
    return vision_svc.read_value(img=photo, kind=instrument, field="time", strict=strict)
5:00
